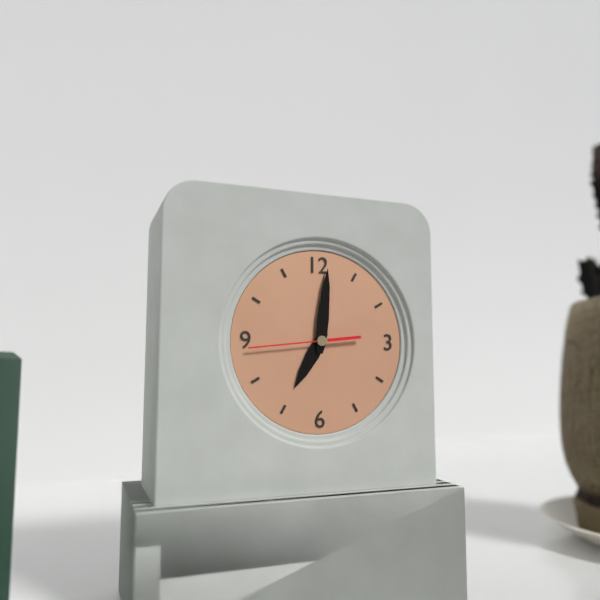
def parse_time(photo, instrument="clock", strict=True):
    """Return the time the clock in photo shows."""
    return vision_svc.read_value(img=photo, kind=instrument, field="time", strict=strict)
7:01:44
